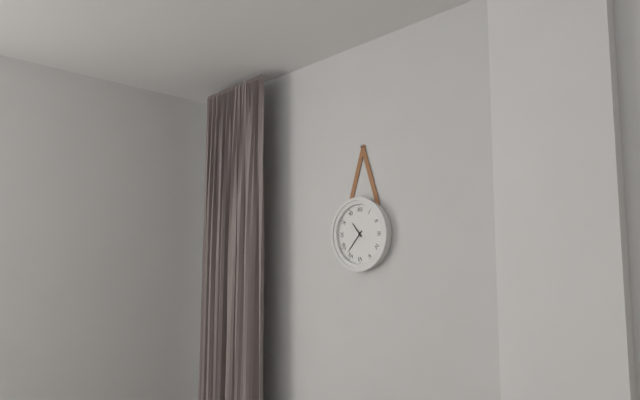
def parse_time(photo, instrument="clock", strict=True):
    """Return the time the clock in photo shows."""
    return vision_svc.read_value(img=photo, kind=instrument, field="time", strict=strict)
10:37
